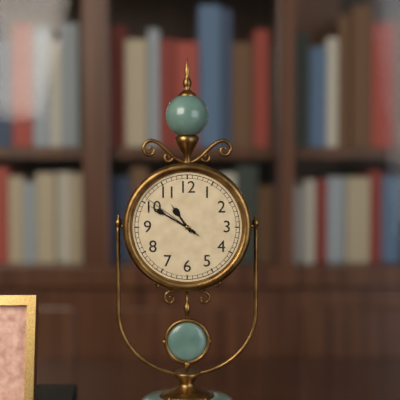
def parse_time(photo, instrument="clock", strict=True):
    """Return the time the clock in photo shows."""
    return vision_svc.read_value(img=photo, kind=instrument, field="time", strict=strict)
10:50:51
